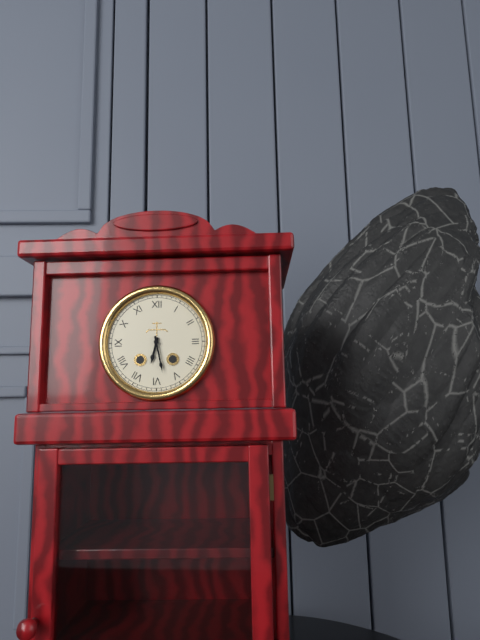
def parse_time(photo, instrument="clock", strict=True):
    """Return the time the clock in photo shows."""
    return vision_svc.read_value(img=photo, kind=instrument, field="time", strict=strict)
6:28
